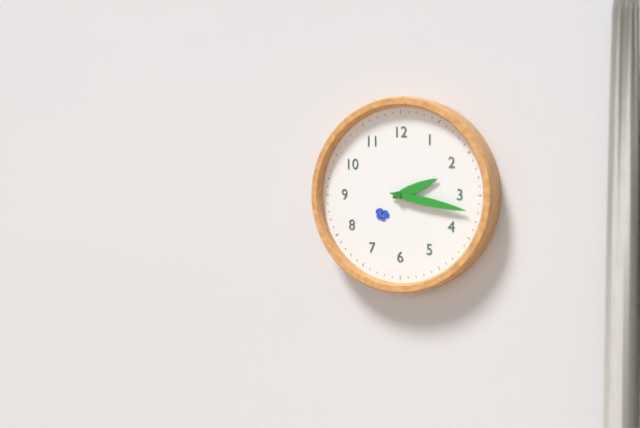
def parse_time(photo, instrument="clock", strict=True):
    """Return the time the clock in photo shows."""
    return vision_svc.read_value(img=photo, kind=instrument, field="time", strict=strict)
2:17
